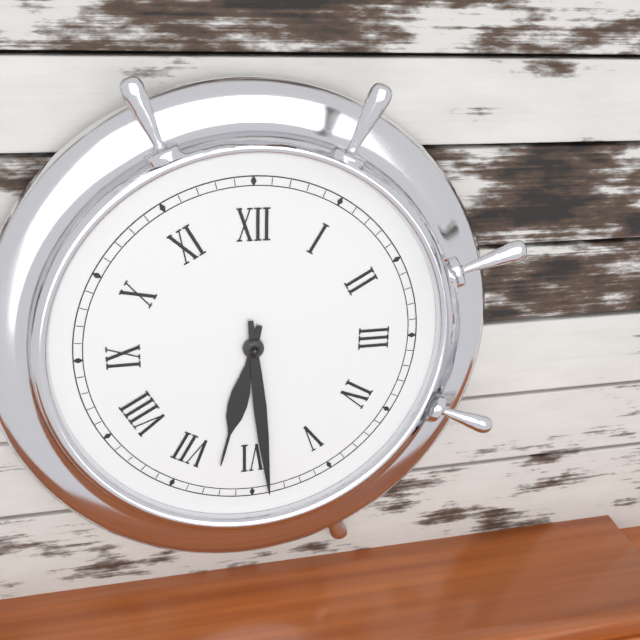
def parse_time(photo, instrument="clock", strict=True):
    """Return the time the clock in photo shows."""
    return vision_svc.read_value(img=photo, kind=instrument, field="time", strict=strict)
6:29
